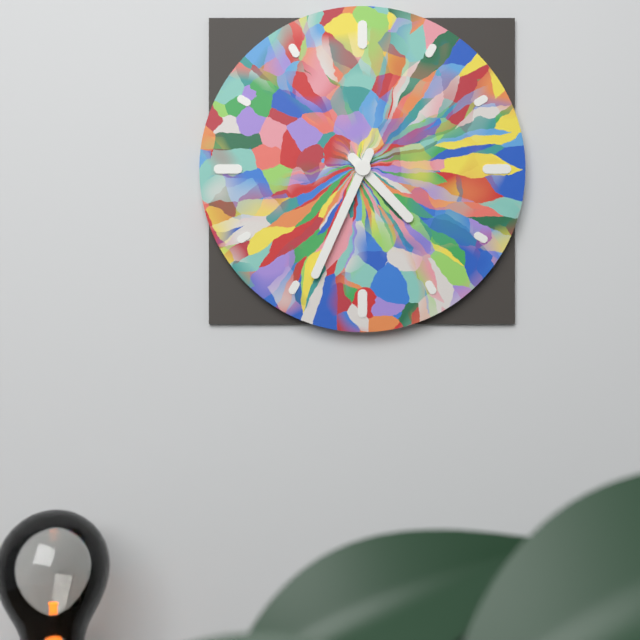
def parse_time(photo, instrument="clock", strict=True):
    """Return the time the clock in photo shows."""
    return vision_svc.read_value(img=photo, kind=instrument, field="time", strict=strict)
4:34
